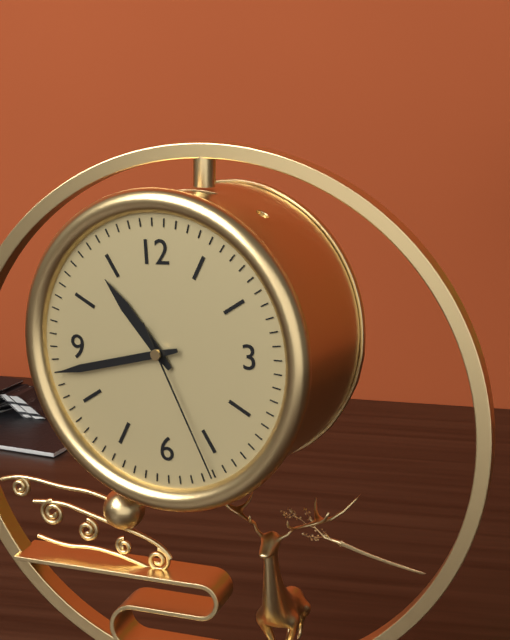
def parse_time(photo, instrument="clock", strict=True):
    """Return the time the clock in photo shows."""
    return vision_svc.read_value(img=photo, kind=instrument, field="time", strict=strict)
10:43:26
